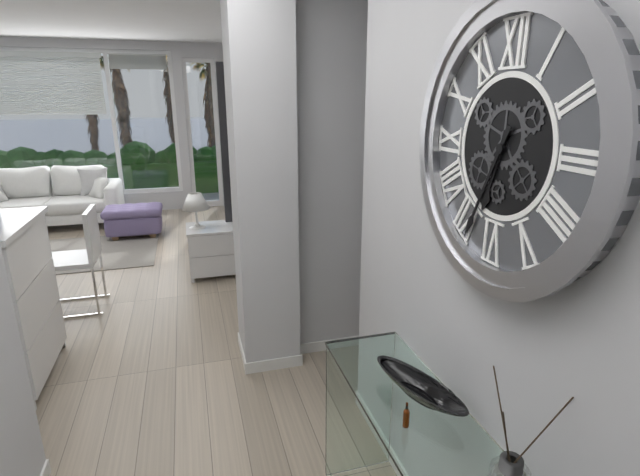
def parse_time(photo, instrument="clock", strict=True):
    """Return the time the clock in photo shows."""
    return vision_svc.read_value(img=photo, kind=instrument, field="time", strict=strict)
6:34
